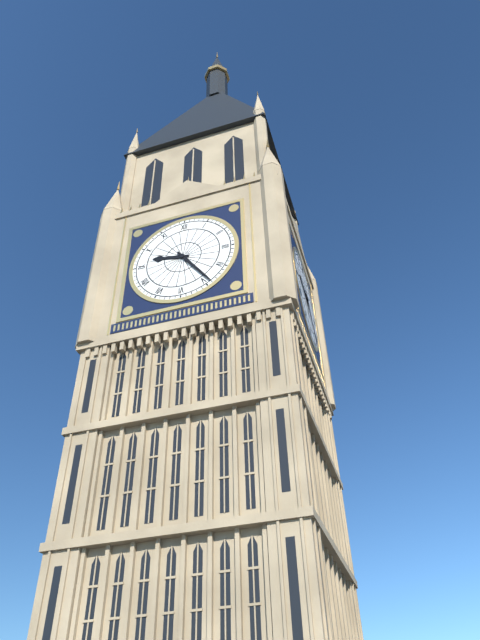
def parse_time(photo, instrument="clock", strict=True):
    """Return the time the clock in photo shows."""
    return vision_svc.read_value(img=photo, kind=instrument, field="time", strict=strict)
9:24
